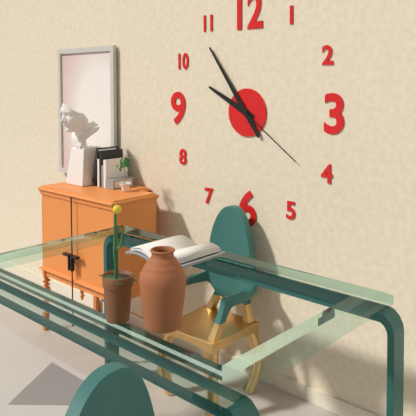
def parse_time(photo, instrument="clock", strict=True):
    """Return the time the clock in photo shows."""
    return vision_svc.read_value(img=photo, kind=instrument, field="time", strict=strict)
9:54:21
